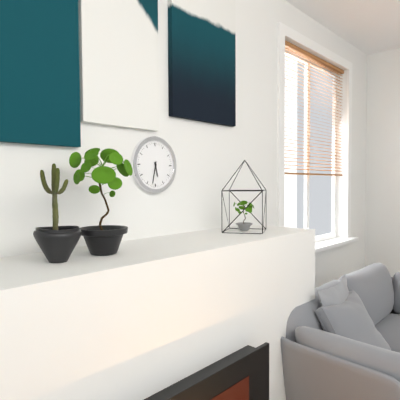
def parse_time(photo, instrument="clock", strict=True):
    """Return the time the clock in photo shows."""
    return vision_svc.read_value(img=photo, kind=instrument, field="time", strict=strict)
5:32
